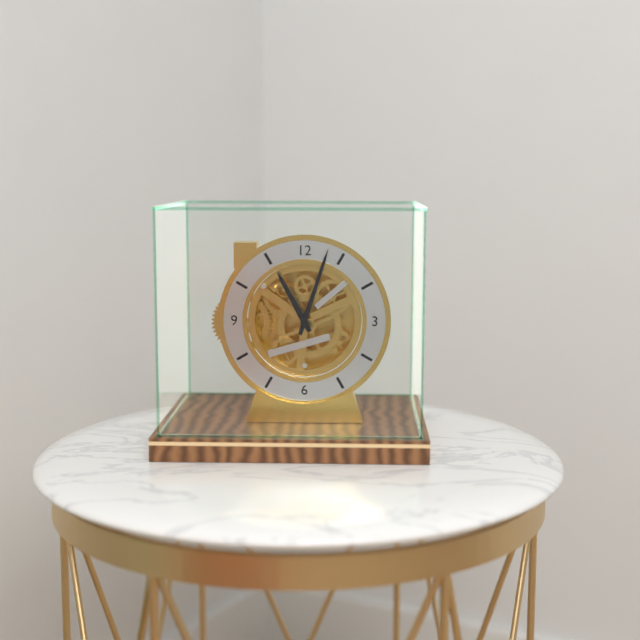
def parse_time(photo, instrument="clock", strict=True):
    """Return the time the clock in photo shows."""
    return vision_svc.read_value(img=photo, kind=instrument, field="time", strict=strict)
11:03
